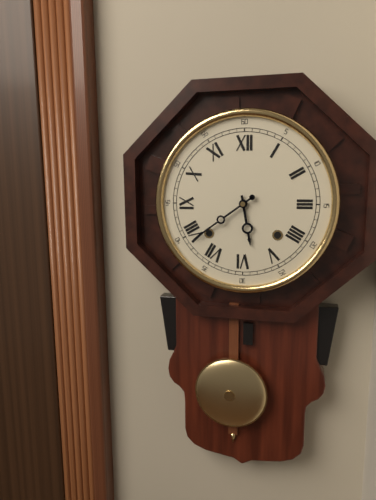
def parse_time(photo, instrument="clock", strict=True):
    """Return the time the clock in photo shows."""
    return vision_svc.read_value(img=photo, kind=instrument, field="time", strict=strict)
5:39
